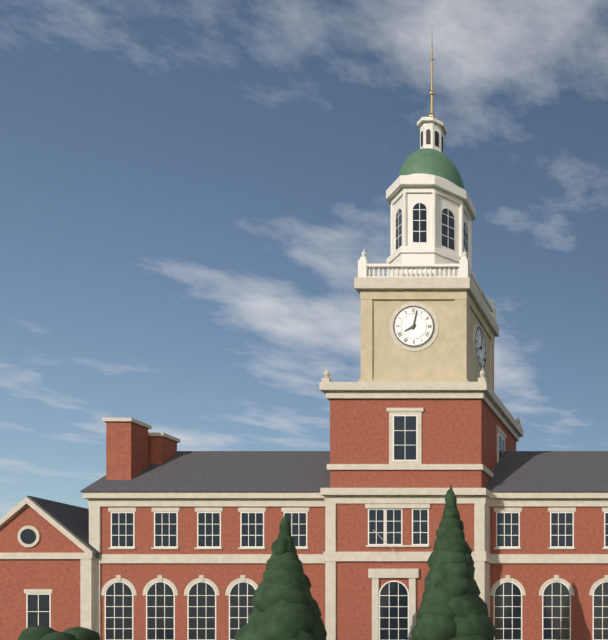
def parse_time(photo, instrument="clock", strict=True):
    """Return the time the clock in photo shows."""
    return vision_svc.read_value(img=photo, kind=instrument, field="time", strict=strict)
8:02
